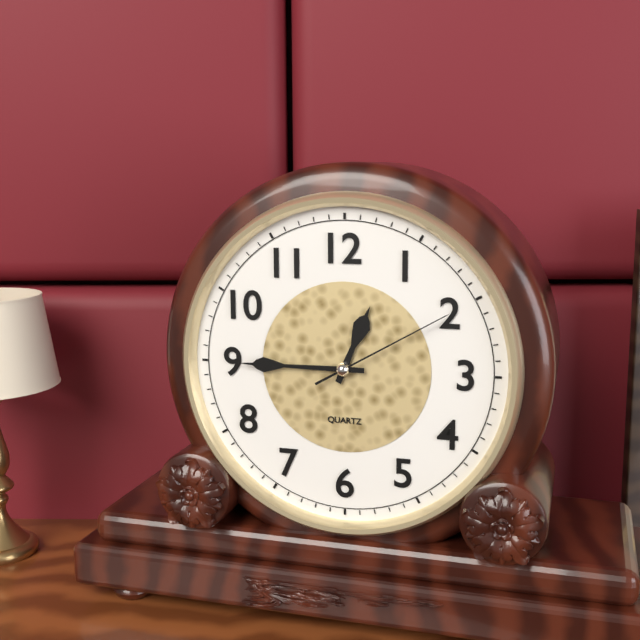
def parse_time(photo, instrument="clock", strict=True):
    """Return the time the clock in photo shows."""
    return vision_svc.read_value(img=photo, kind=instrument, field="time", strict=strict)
12:45:10
